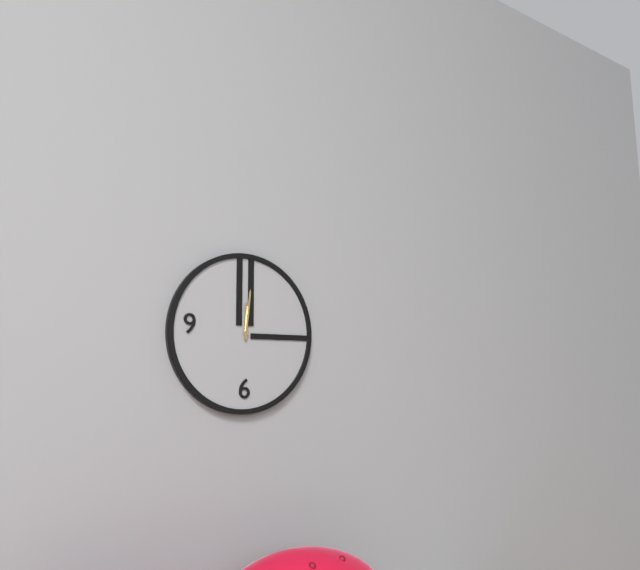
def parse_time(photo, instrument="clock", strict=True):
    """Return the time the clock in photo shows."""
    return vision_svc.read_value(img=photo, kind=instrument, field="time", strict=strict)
12:01
